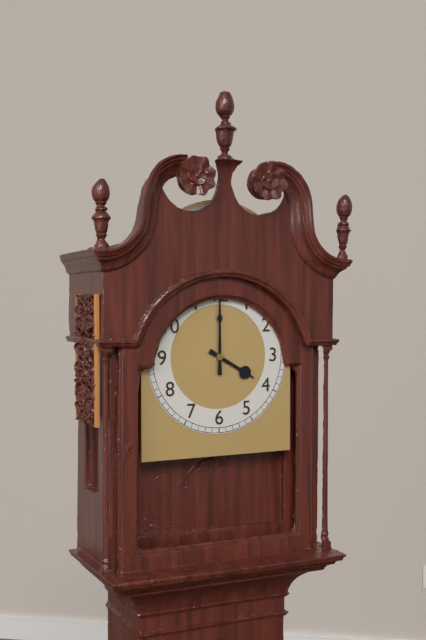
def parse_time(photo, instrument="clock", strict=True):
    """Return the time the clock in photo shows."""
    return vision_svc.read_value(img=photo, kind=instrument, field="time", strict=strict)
4:00
